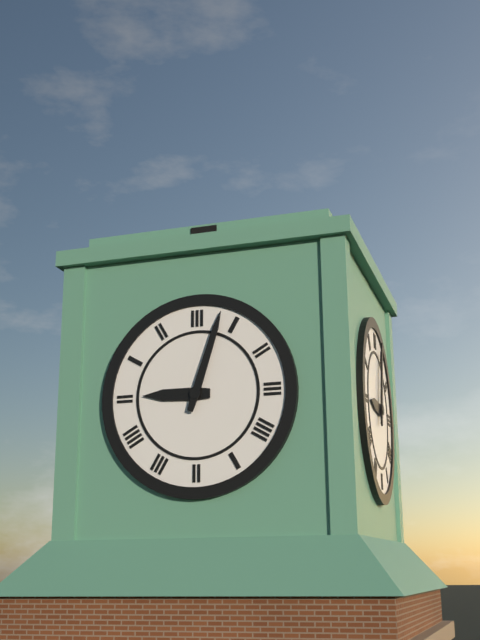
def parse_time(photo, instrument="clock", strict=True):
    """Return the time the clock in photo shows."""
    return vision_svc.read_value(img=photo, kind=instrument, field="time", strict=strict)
9:03
